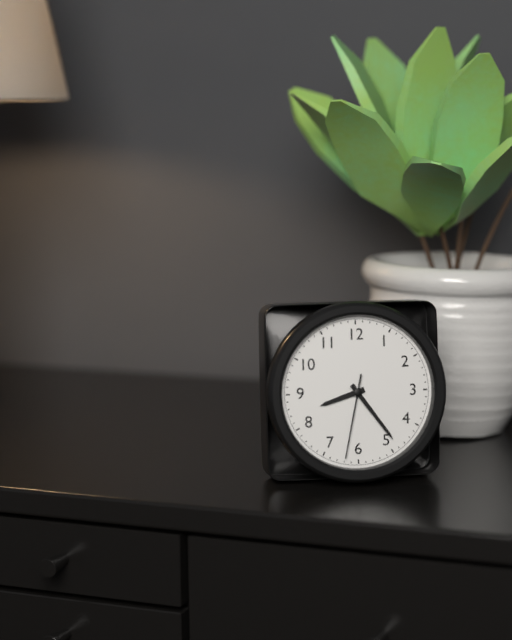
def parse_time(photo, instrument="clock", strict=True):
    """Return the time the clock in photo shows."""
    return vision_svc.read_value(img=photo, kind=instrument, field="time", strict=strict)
8:24:32
